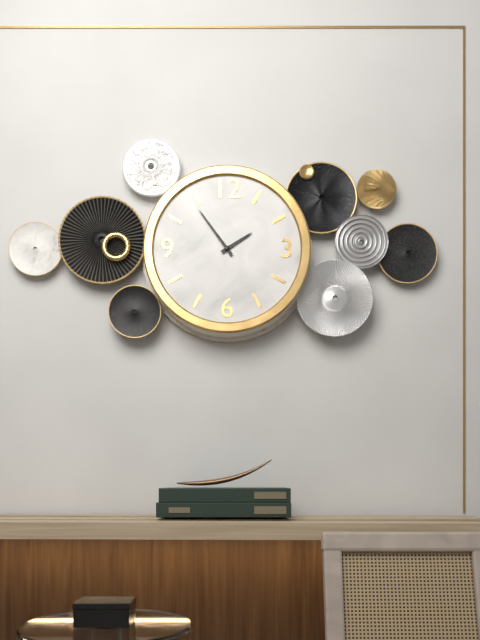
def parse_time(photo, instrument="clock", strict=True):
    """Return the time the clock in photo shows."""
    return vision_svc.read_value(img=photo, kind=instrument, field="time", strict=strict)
1:54
